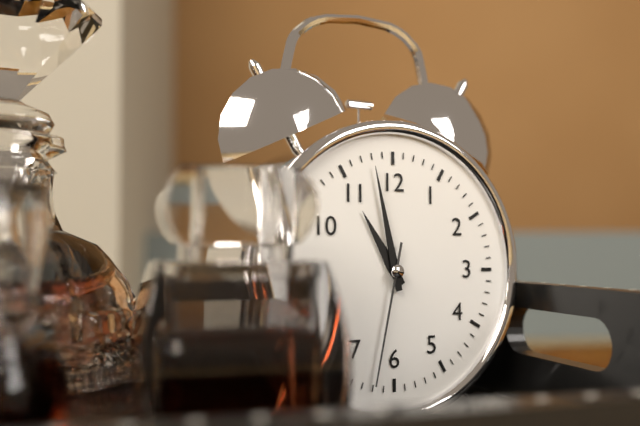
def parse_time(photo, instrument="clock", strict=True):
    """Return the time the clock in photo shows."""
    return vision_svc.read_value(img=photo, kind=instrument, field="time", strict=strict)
10:58:32
